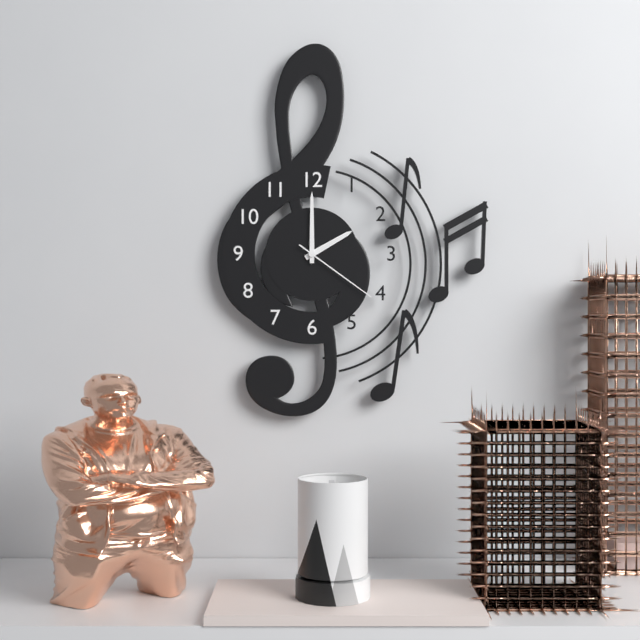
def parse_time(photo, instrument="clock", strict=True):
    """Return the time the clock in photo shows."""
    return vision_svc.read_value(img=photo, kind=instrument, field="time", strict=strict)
2:00:21
